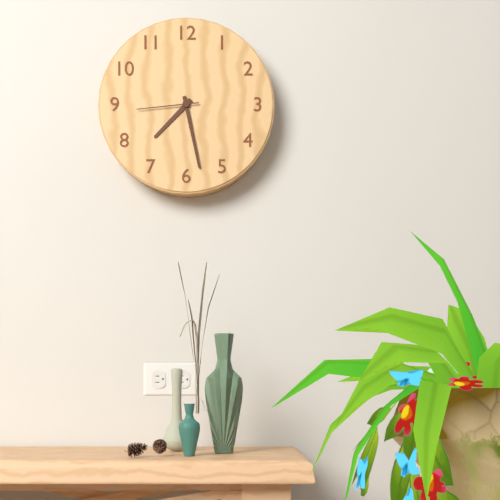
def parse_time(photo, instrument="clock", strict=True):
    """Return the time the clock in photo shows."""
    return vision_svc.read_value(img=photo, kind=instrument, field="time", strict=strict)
7:28:44
